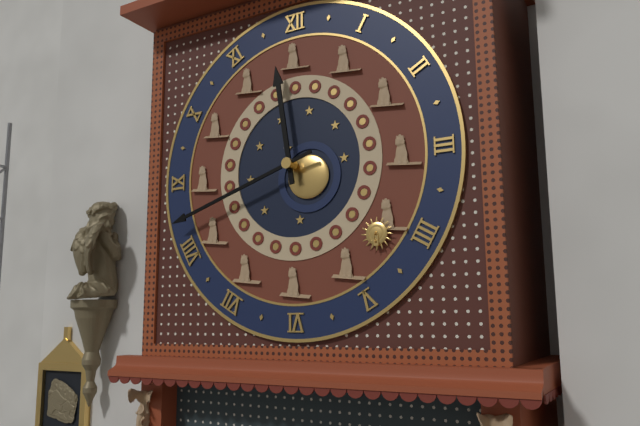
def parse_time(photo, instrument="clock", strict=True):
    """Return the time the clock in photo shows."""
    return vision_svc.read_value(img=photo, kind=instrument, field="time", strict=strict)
11:42
